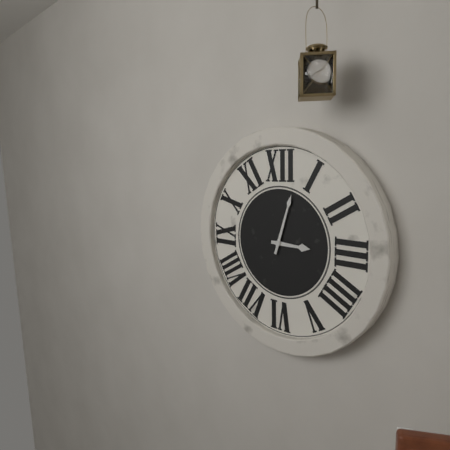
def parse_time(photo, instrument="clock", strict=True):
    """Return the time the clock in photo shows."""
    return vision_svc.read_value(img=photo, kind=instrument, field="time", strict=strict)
3:03
